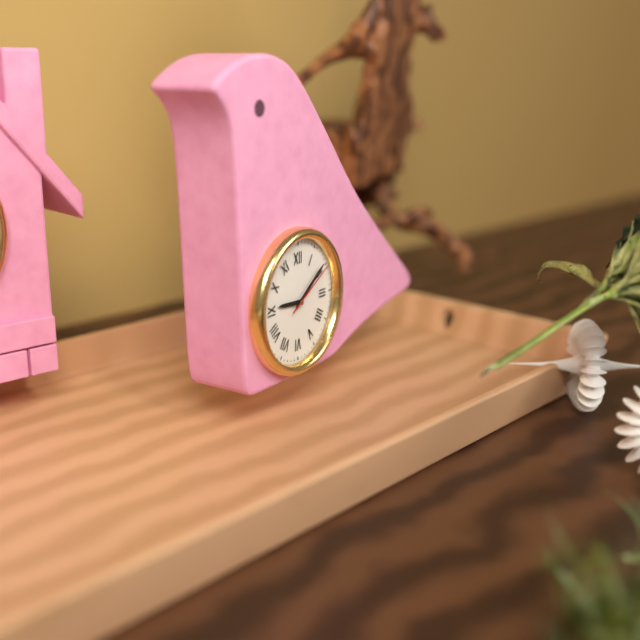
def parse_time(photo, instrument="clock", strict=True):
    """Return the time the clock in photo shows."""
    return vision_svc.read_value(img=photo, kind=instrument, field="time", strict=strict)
9:09:10
